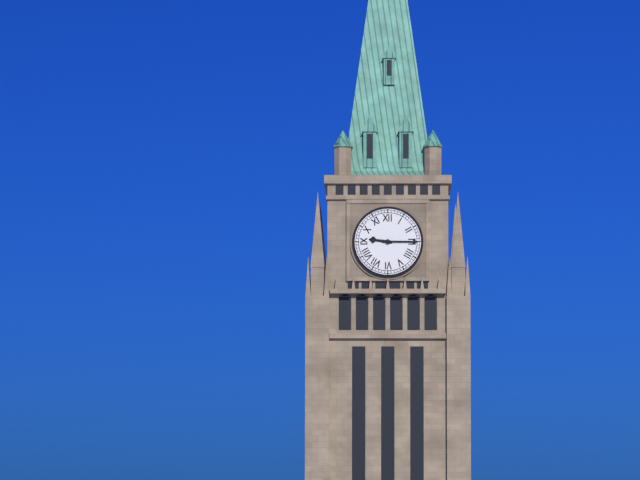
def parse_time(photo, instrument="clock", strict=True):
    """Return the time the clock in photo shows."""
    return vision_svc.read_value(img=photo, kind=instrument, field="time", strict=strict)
9:15
